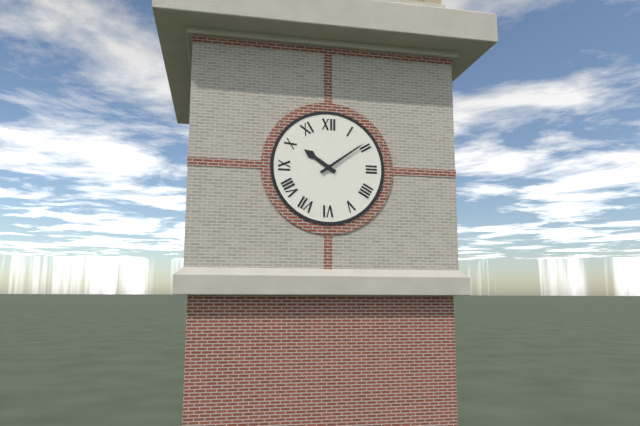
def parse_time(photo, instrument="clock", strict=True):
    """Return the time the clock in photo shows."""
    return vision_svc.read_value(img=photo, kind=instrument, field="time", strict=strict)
10:09
